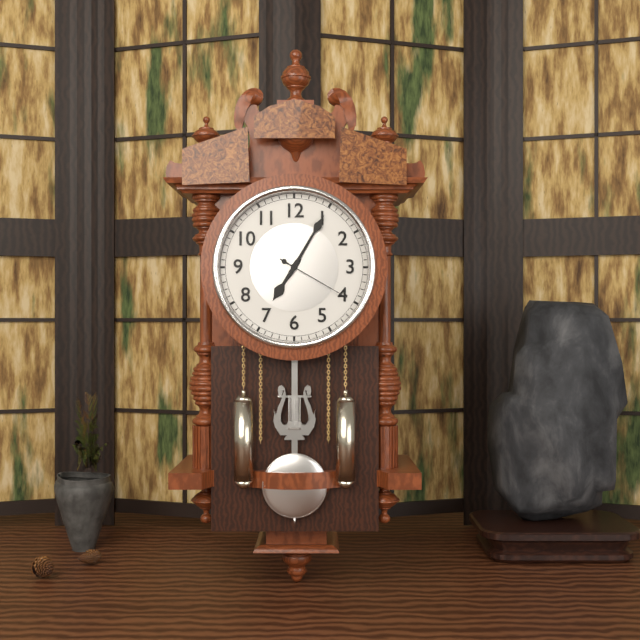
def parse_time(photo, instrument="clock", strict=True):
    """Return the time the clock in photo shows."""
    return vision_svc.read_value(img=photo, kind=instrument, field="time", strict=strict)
7:05:20
